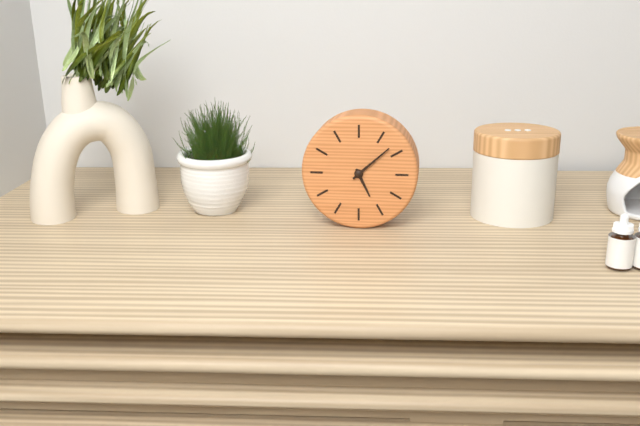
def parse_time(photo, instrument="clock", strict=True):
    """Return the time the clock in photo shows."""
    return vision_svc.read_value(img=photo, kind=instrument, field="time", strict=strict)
5:08
